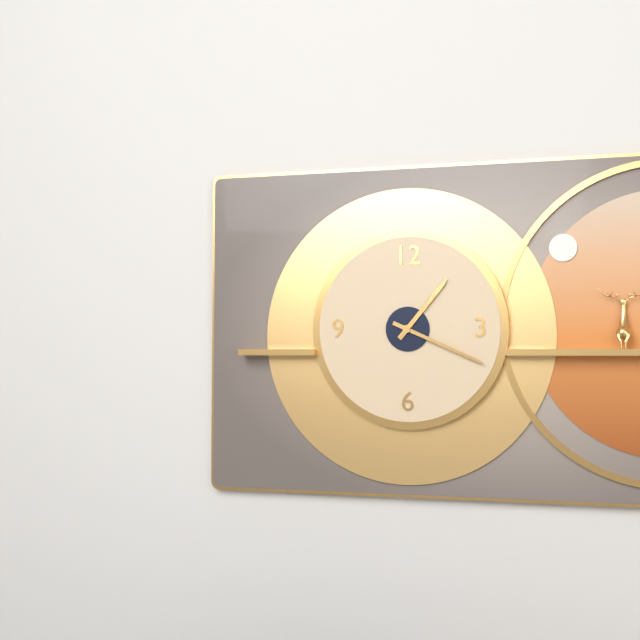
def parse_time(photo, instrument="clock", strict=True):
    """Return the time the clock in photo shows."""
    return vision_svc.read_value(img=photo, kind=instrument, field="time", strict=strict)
1:19
